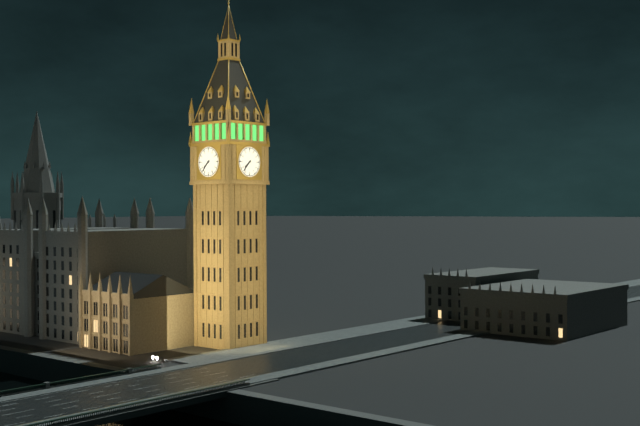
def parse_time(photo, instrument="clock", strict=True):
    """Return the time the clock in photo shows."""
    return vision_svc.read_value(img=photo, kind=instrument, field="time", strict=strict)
7:37
